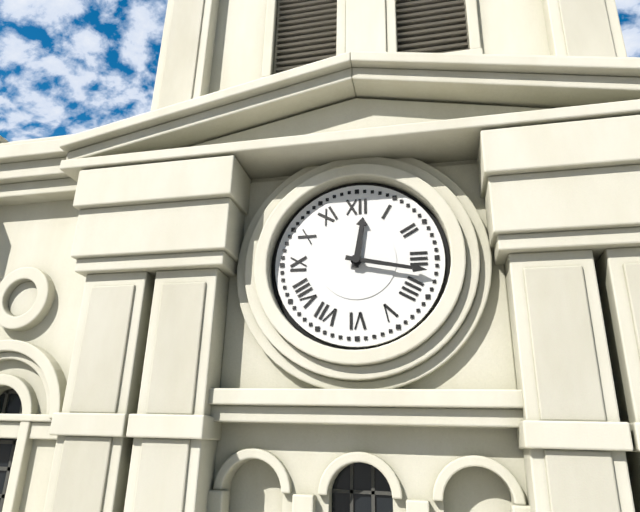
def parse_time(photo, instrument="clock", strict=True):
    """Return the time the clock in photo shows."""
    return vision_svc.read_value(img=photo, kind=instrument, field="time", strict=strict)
12:17
